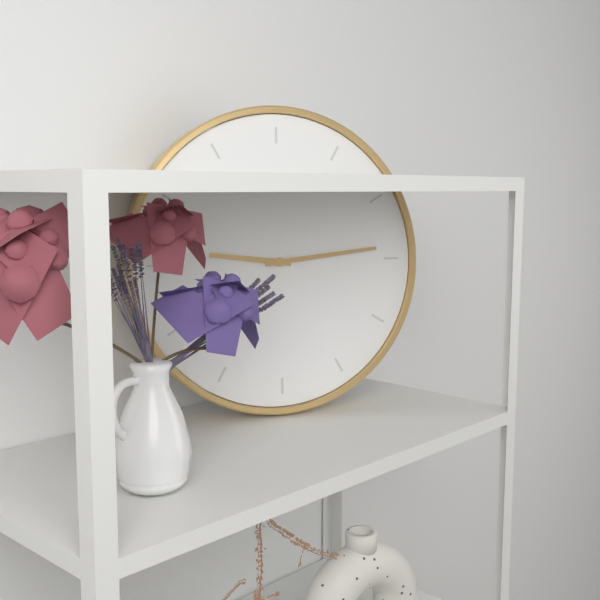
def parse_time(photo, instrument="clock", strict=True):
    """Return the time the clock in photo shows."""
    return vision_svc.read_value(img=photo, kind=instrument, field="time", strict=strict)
9:14
